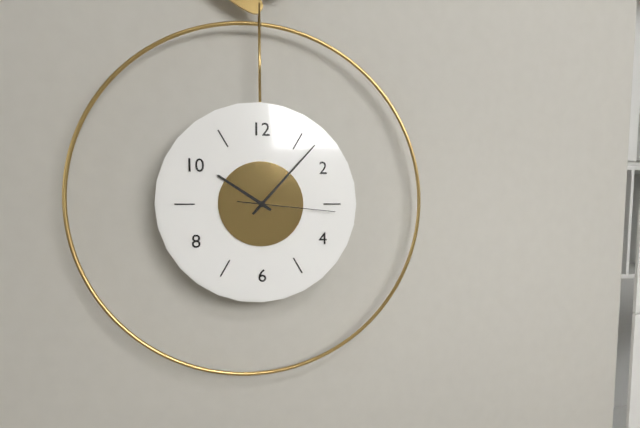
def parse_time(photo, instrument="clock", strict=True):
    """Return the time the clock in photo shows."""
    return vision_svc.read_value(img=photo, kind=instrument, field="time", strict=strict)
10:07:16
